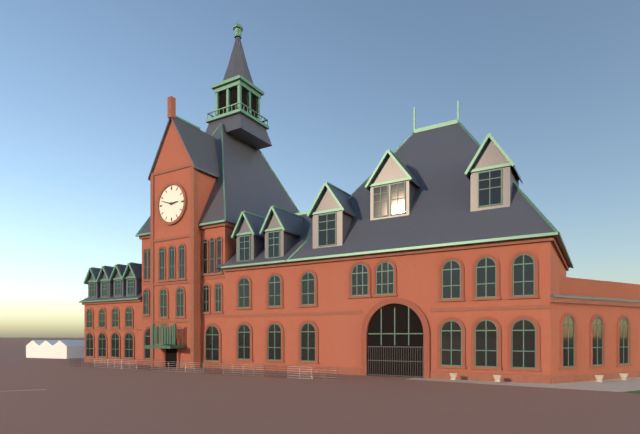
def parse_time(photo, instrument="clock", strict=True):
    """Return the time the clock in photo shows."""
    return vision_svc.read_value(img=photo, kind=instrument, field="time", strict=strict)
2:48
